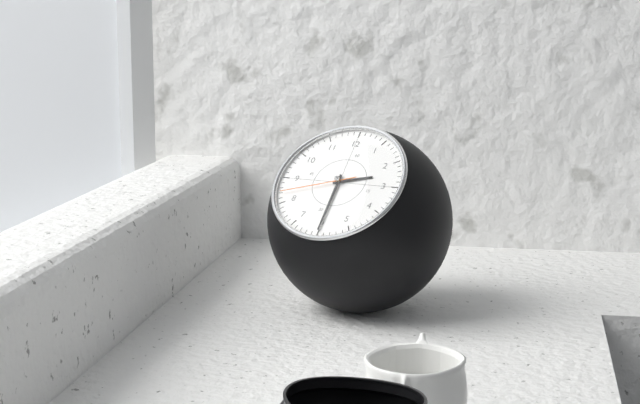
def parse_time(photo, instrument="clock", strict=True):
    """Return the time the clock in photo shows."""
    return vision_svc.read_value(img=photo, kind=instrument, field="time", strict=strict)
2:30:42
